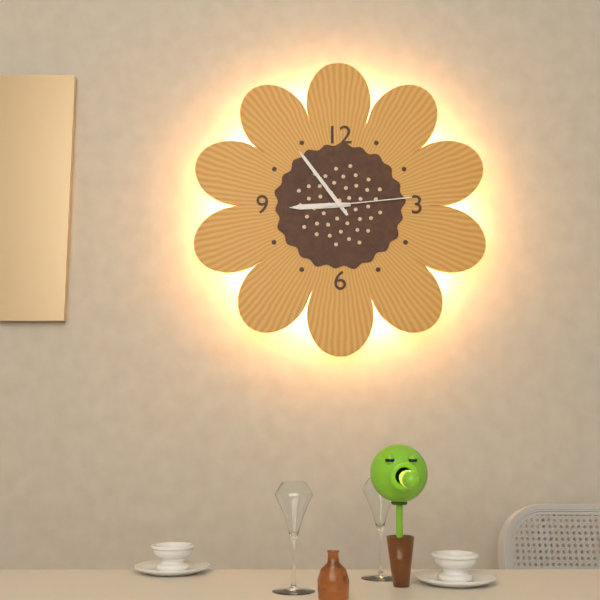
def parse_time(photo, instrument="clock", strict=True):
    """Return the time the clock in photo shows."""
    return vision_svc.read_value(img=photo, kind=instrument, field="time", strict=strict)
8:54:14
